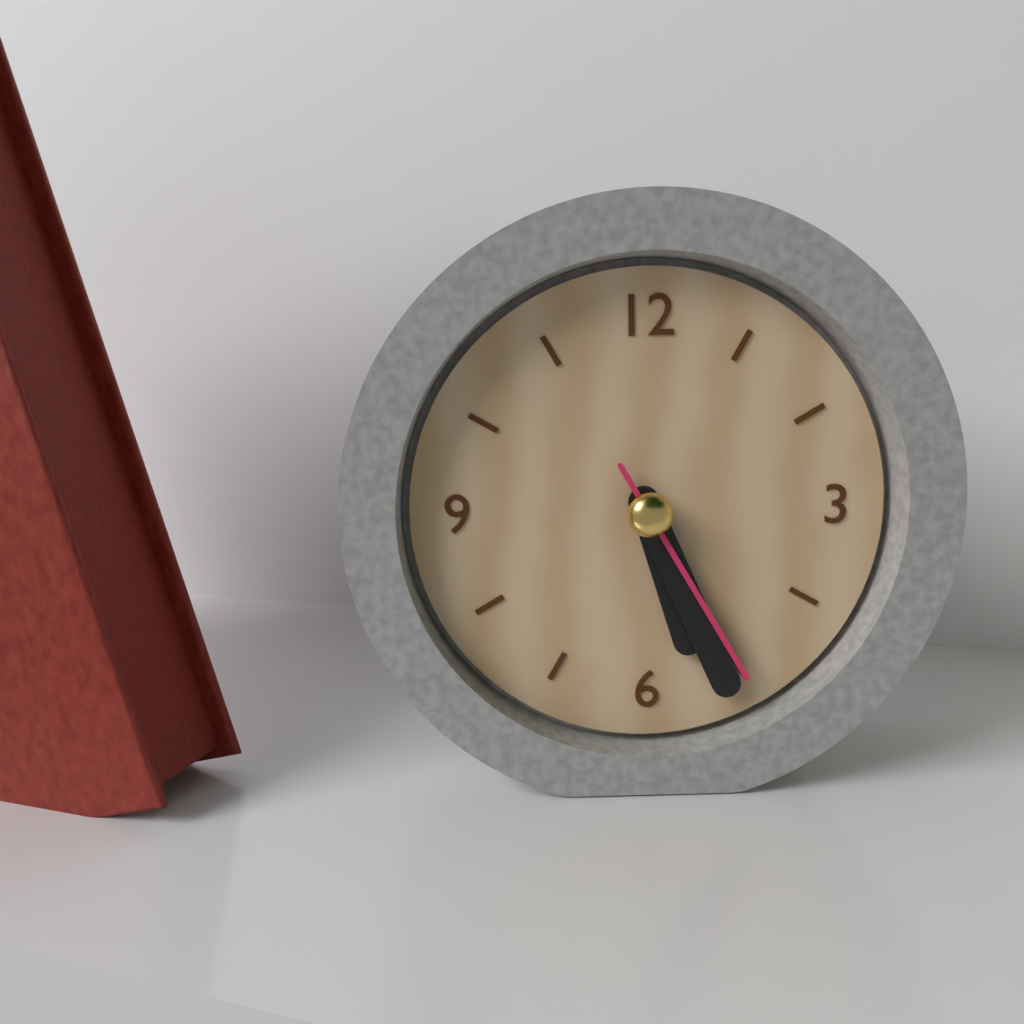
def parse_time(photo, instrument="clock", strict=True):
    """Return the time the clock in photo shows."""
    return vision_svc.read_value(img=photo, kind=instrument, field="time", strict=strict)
5:26:25
